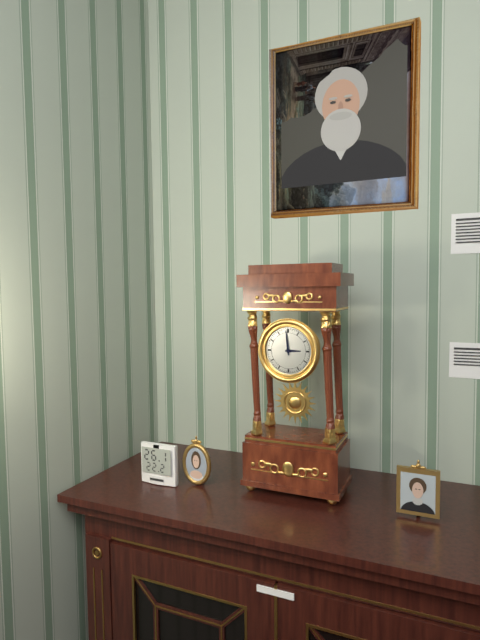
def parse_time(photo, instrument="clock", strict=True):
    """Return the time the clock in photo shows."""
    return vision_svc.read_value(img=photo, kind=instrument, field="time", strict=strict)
2:59
